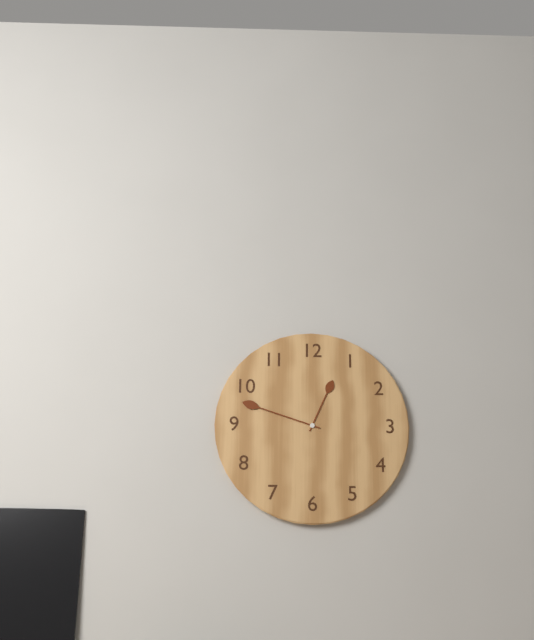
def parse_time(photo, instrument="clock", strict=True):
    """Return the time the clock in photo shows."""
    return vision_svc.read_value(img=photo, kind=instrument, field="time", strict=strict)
12:48
